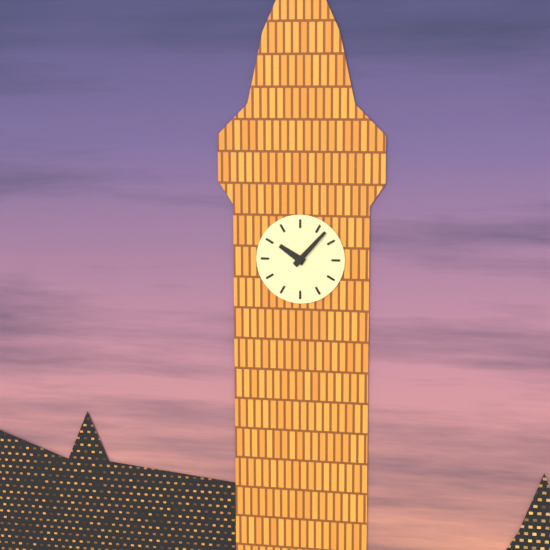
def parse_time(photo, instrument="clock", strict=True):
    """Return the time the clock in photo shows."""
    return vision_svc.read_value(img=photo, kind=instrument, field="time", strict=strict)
10:07
